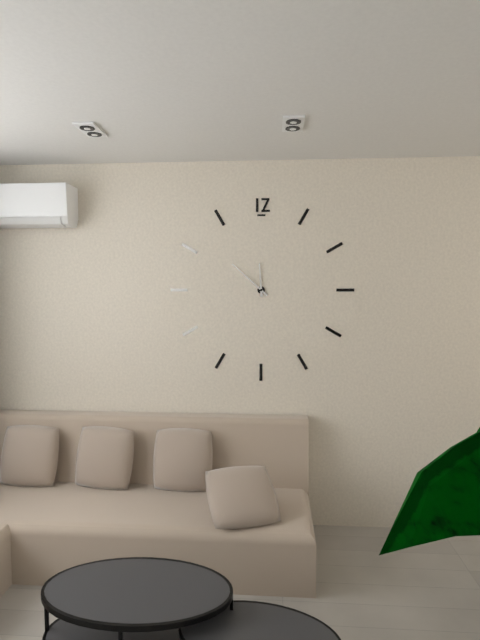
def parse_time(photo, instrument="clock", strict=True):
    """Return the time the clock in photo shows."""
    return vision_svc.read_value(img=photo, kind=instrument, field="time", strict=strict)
11:52
